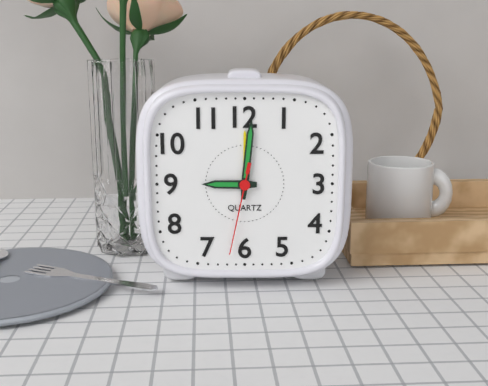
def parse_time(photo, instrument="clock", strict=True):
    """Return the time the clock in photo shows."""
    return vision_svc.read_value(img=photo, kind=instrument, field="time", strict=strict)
9:01:32
